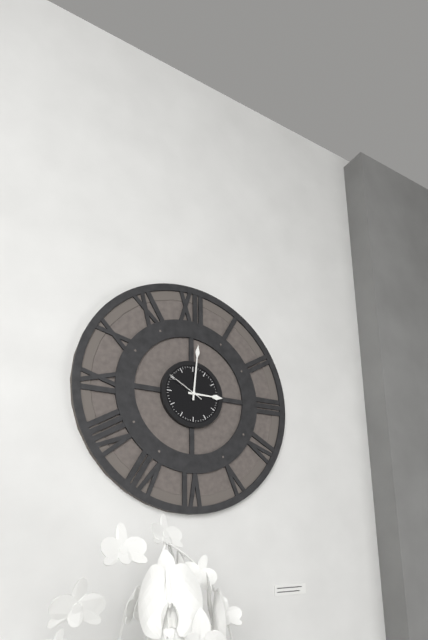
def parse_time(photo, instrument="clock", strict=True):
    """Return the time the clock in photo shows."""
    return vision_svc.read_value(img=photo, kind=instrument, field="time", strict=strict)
3:01
